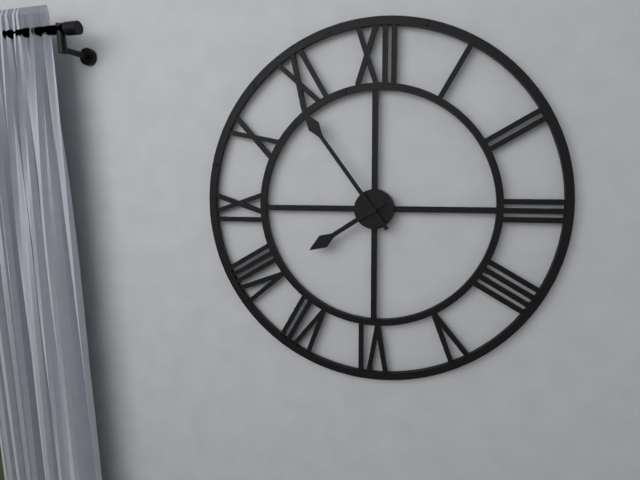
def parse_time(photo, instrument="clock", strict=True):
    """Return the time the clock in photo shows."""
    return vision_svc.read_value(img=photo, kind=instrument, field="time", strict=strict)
7:54
